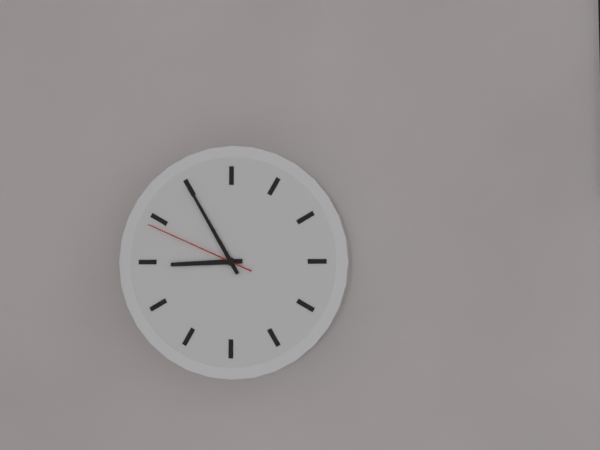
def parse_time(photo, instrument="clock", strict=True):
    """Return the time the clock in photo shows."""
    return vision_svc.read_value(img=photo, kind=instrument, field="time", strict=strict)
8:55:49
